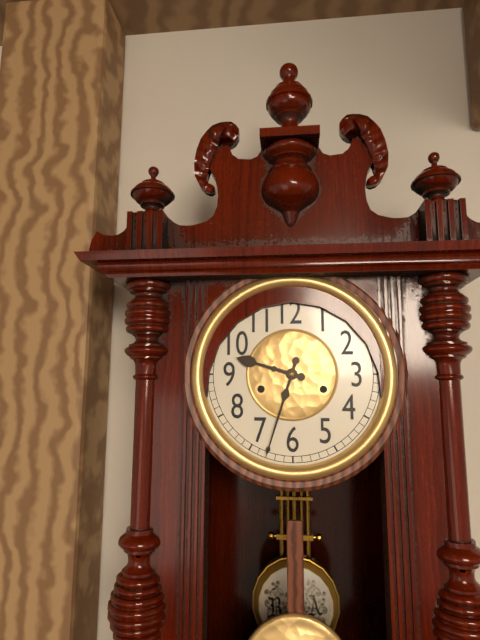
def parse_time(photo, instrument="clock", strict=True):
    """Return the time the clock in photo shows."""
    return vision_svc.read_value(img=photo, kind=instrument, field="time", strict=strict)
9:33
